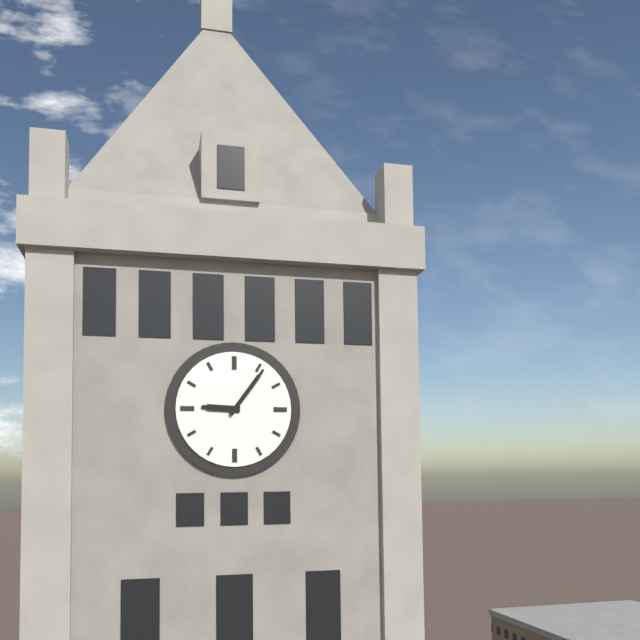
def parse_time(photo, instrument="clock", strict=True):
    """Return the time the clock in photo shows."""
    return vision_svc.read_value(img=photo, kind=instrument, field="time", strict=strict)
9:06
